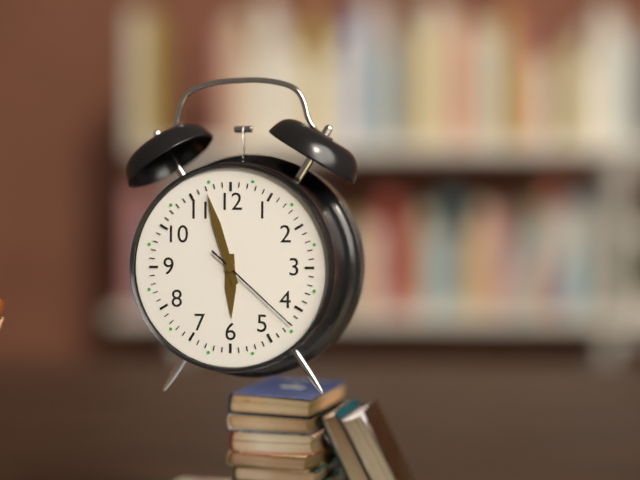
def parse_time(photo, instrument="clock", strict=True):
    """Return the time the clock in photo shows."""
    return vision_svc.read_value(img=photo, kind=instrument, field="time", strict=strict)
5:57:22
